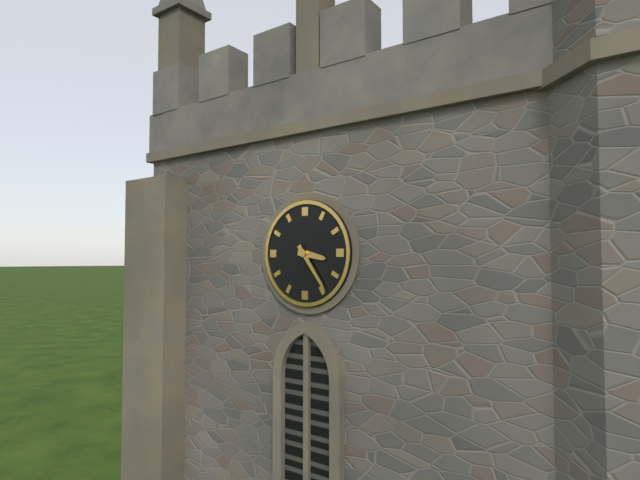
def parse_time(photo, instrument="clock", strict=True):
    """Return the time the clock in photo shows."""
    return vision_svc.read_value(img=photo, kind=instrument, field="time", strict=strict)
3:24
